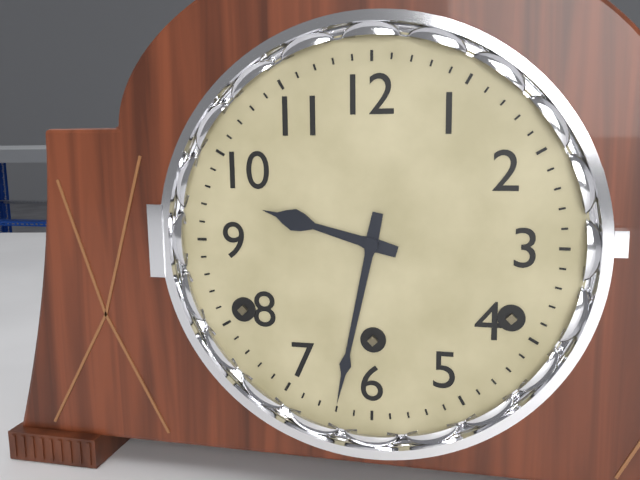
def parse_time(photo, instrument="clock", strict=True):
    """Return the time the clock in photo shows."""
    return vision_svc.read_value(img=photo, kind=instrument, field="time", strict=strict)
9:32
